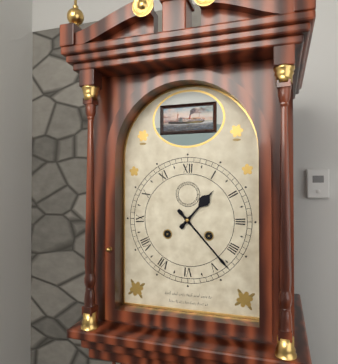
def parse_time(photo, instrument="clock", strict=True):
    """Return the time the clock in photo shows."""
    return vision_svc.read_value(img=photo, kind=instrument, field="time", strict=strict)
1:23
